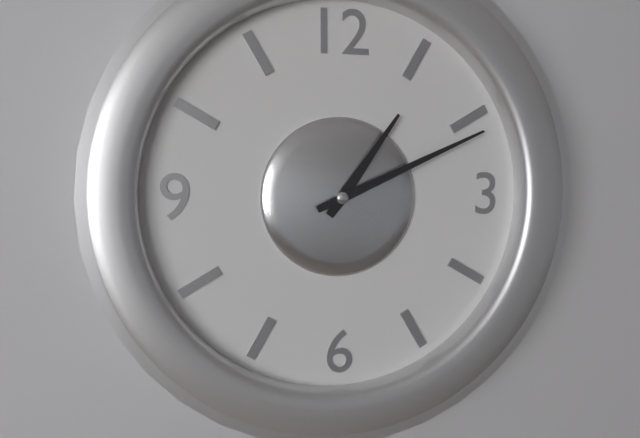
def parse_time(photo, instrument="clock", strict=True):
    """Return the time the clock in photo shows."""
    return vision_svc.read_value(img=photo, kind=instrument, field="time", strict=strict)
1:11
